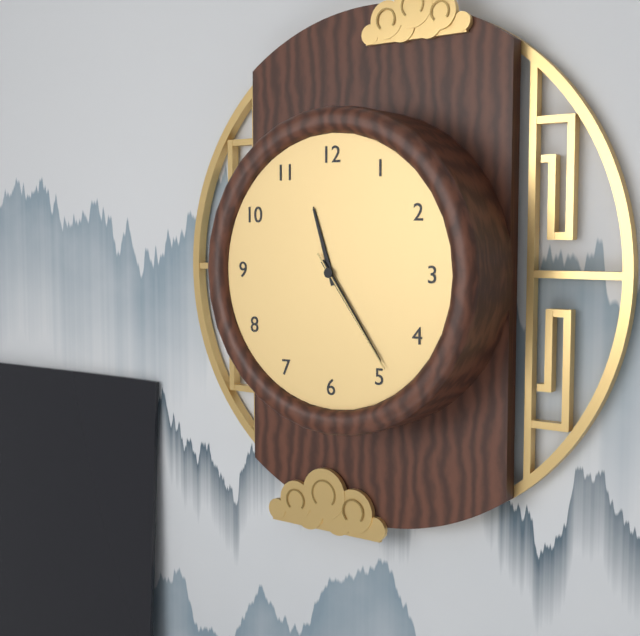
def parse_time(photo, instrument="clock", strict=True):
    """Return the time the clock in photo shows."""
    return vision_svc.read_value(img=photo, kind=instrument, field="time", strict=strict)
11:24:24
